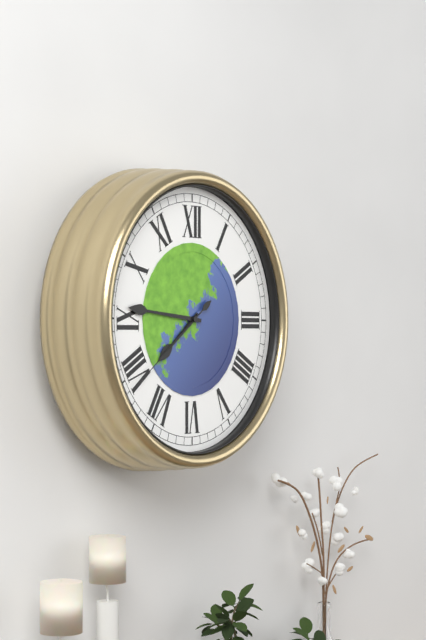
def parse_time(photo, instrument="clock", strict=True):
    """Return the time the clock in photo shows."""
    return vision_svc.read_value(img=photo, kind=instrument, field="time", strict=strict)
7:46:39
